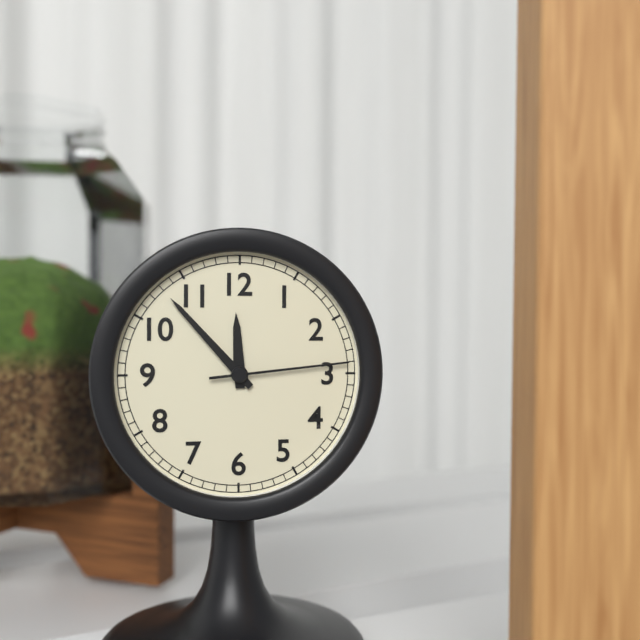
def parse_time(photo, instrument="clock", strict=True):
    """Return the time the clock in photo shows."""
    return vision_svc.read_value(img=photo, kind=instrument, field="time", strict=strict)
11:53:14
